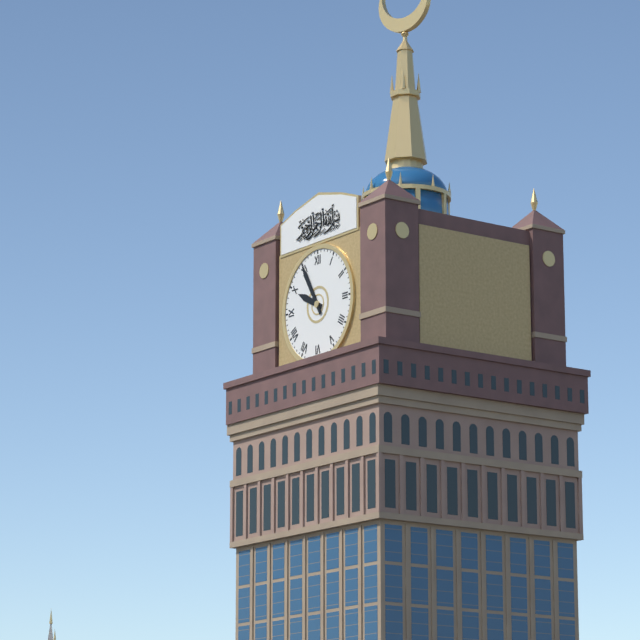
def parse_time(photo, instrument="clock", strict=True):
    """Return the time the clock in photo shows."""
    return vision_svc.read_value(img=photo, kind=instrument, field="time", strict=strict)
9:55
